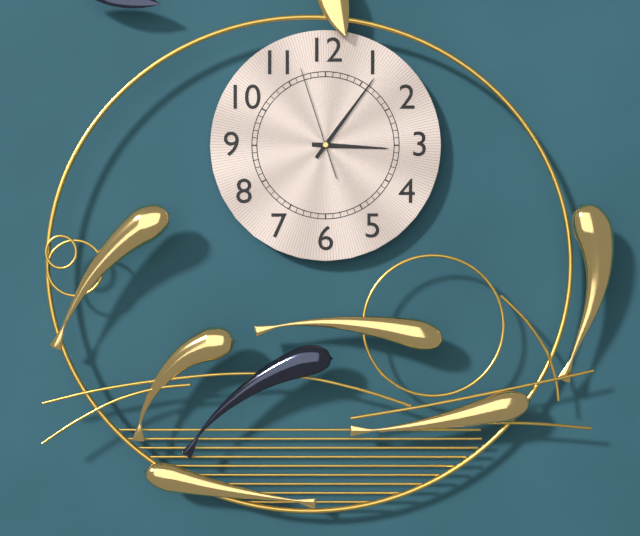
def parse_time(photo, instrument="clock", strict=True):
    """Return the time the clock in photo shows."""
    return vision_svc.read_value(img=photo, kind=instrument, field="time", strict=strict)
3:06:57
